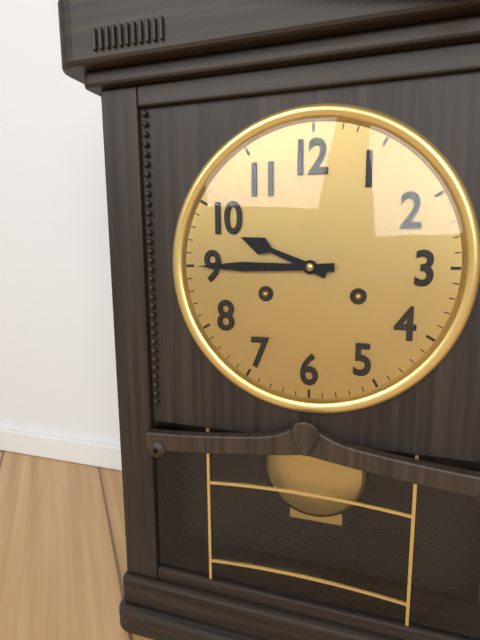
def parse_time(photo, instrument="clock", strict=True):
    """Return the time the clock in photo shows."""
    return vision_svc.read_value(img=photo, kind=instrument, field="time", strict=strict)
9:45
